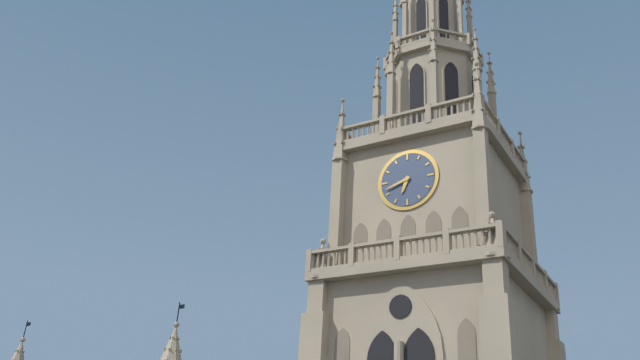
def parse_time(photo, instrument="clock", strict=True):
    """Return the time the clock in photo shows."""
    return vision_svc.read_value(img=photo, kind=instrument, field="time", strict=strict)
6:42
